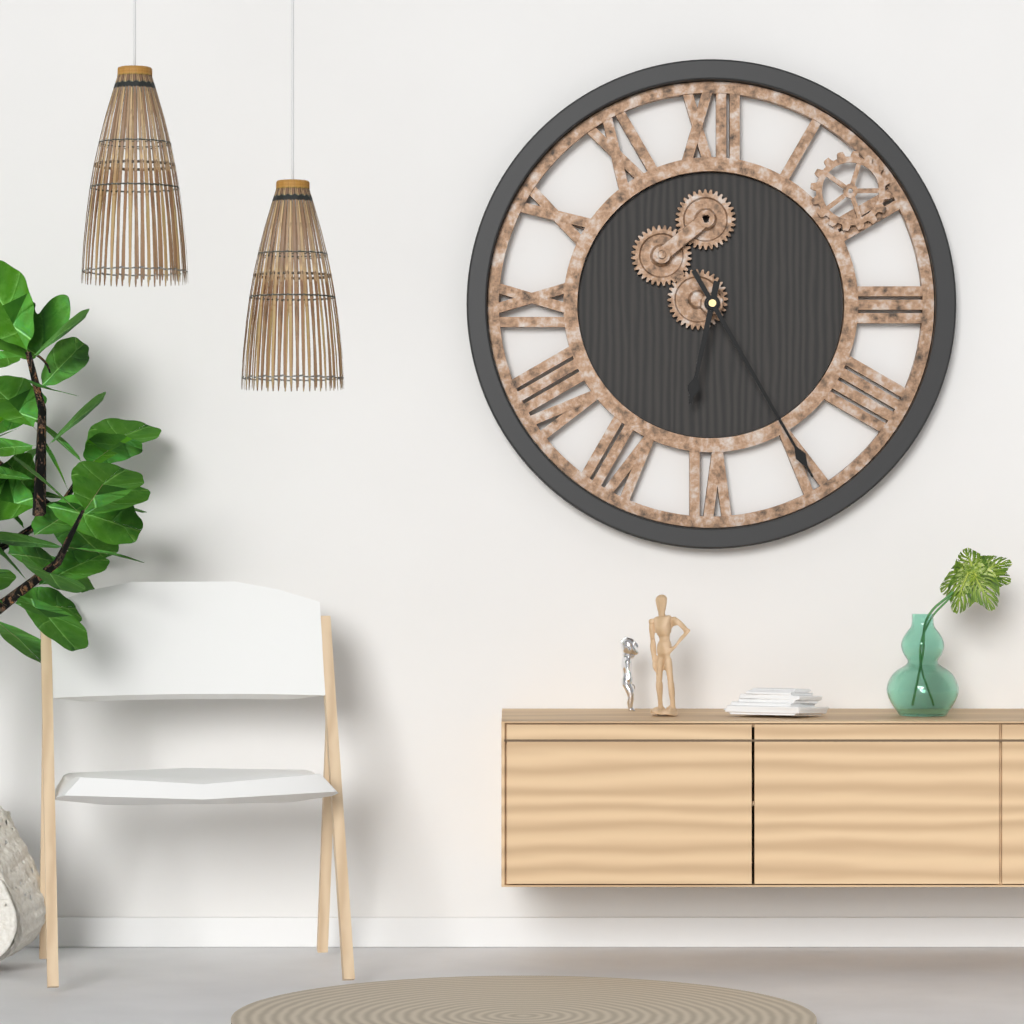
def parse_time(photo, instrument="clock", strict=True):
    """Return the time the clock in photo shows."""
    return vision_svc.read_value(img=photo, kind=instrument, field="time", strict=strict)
6:25
